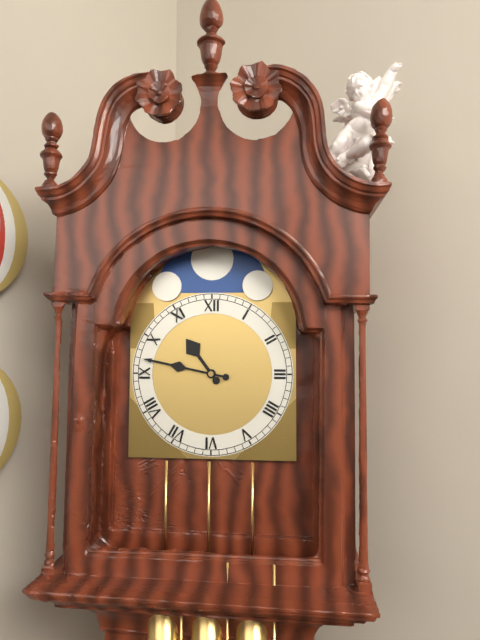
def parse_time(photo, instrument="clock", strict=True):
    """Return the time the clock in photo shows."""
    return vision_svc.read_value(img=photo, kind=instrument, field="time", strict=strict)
10:47
